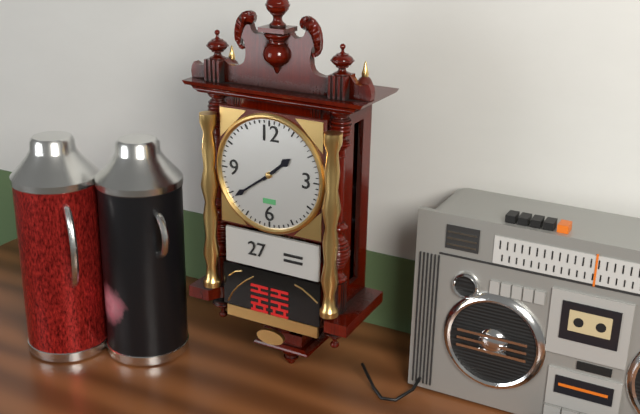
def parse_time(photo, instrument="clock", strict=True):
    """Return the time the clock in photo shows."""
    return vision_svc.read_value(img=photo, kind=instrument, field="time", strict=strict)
1:39
